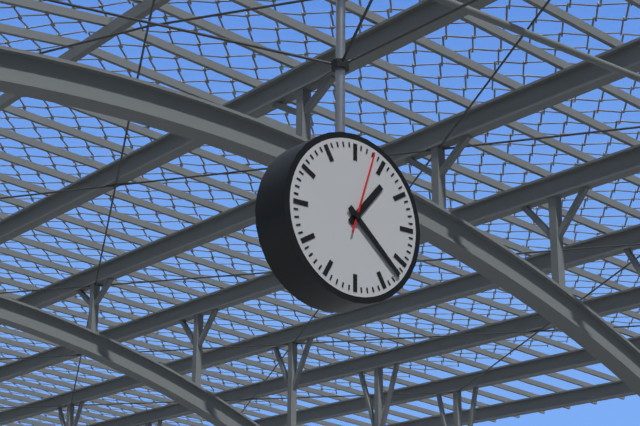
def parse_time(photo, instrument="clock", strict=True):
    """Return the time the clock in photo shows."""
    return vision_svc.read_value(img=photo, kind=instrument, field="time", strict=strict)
1:22:03
